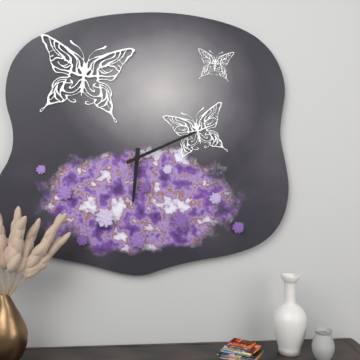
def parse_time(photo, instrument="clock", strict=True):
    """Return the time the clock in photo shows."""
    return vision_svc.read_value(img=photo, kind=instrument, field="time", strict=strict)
6:11
